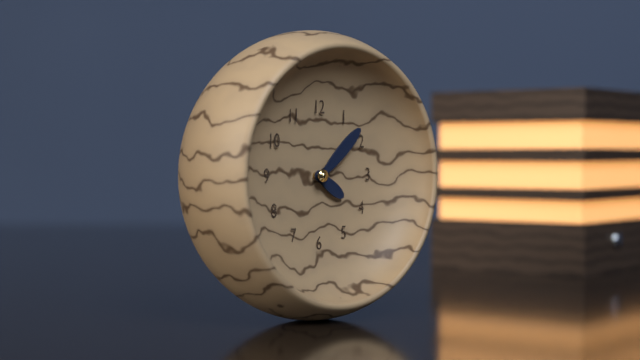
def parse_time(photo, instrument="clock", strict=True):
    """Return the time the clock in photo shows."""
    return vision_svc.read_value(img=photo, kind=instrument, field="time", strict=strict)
4:08
